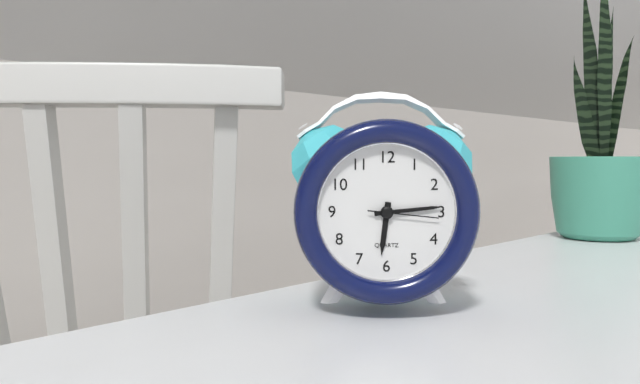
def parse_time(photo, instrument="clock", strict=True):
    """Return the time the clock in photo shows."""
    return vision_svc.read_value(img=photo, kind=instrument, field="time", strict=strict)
6:14:16
